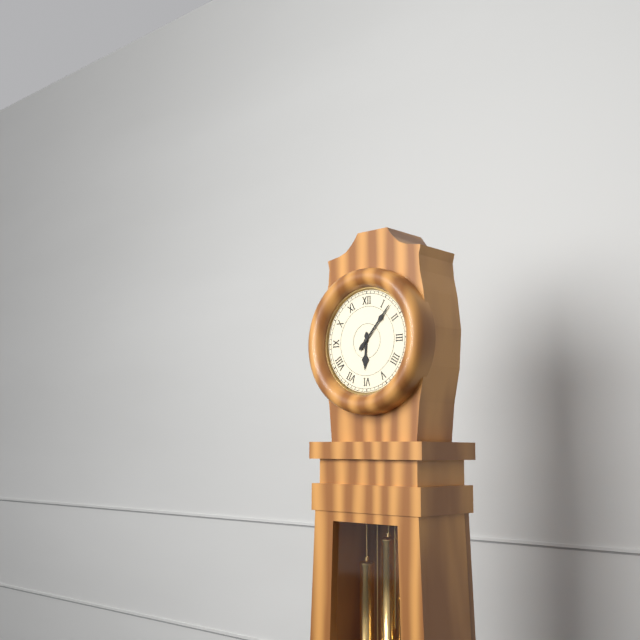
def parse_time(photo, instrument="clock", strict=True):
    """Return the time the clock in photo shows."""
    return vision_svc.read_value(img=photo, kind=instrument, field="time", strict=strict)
6:07
